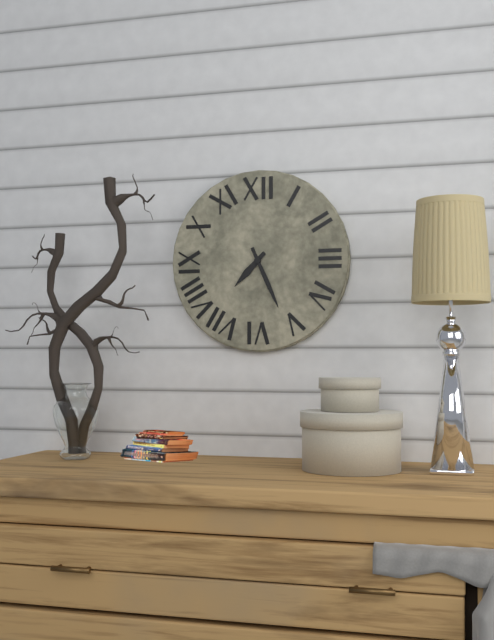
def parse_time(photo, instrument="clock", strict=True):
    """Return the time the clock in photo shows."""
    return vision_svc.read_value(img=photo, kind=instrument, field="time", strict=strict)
7:26
